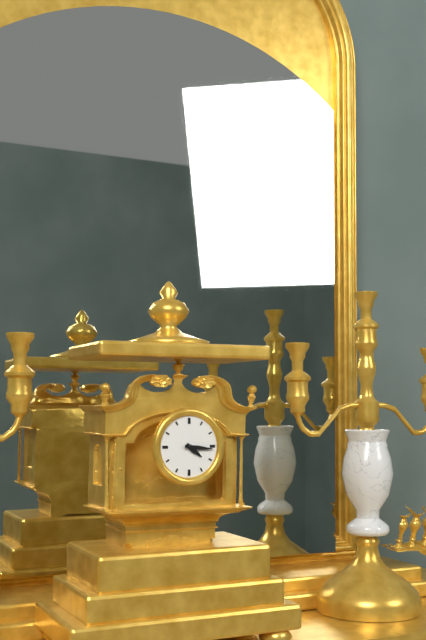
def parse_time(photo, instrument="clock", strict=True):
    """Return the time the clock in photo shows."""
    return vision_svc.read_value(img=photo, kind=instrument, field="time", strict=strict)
4:16
